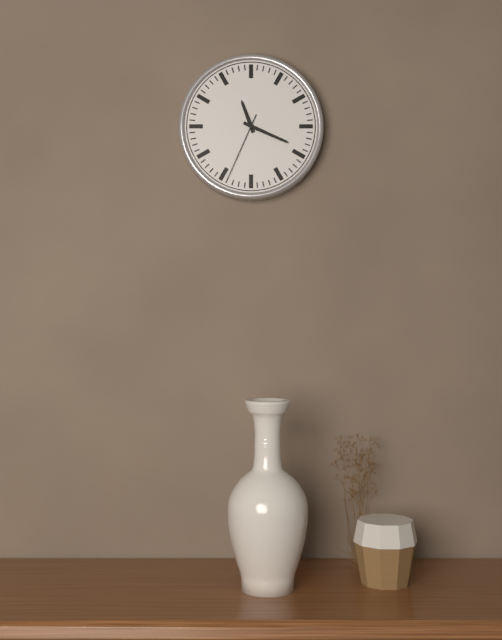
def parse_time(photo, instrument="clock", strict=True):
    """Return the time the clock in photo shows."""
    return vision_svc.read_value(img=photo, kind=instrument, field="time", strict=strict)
11:19:34
